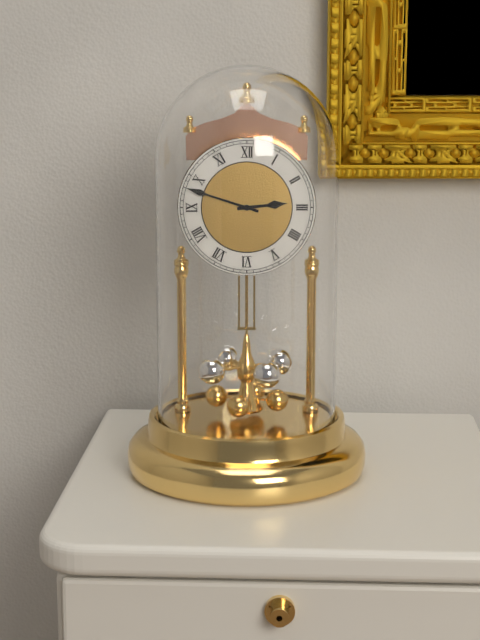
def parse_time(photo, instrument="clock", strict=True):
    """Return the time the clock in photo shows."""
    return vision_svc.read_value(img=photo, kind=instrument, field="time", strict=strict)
2:48
